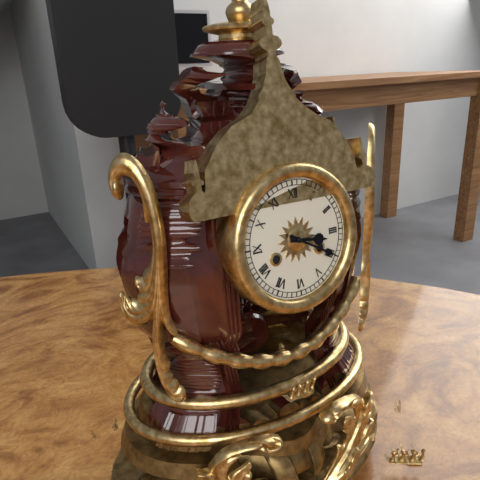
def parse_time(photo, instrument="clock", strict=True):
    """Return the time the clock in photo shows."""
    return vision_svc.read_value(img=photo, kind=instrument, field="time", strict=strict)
3:20
